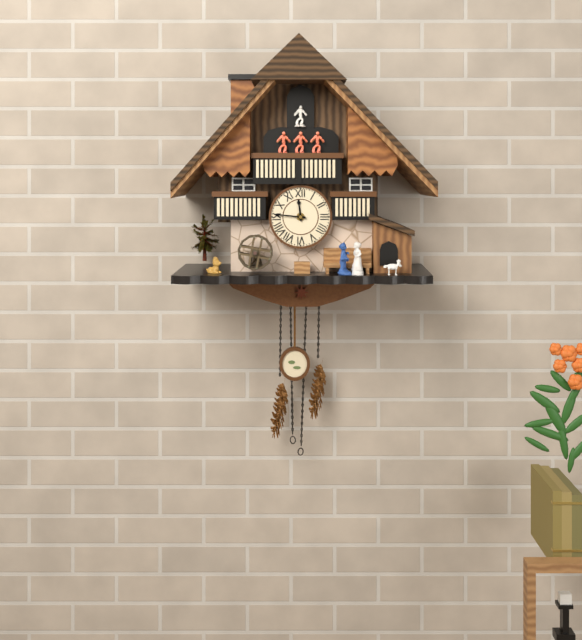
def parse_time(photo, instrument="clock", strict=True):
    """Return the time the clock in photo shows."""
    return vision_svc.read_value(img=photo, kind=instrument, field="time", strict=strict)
11:46
